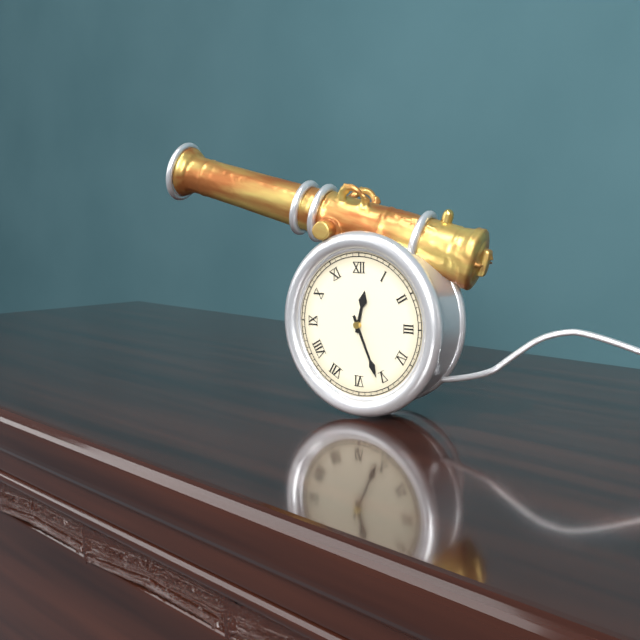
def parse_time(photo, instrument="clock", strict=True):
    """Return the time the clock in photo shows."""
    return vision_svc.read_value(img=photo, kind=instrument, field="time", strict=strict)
12:26
